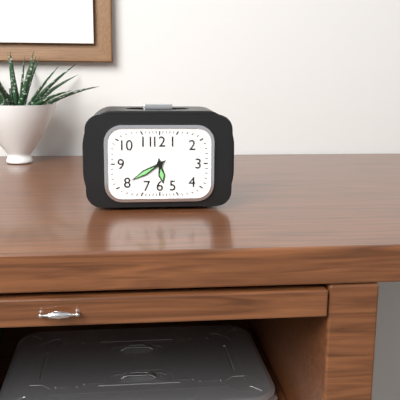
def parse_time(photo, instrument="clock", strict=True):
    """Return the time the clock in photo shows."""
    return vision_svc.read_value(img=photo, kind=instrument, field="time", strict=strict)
5:40
